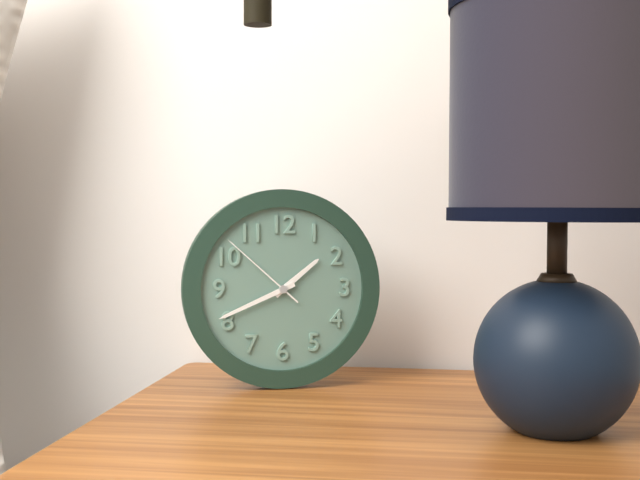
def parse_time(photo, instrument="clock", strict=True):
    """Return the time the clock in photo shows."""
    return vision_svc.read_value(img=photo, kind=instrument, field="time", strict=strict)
1:41:52
